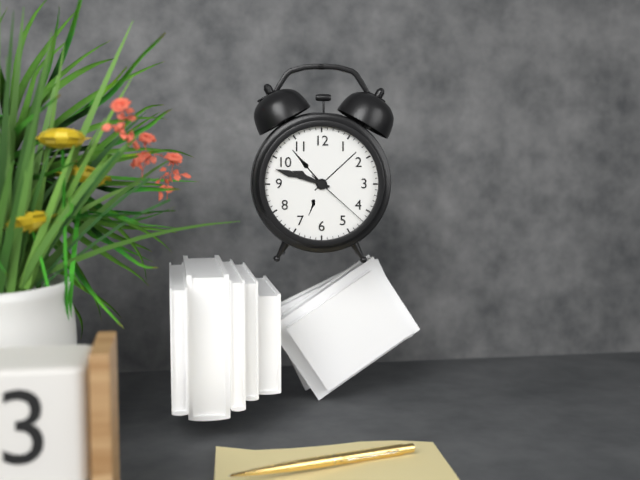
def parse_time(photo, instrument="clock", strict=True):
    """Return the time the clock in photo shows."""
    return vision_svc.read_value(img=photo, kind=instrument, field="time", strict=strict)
9:48:22
